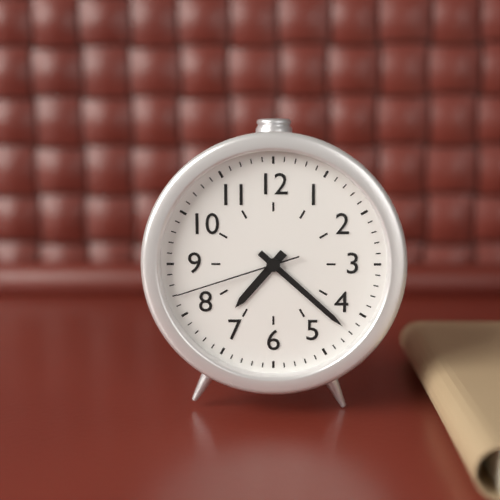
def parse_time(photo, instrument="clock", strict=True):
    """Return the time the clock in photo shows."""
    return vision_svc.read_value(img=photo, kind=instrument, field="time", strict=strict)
7:22:42
